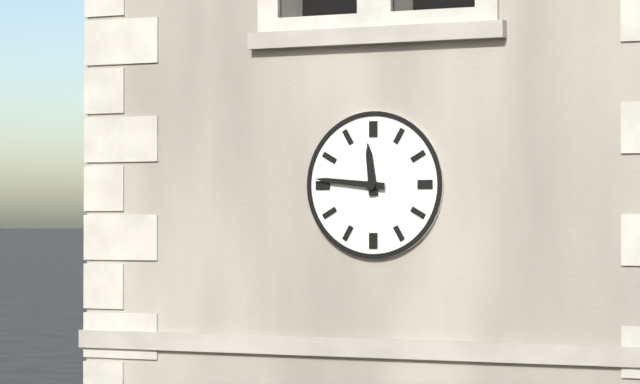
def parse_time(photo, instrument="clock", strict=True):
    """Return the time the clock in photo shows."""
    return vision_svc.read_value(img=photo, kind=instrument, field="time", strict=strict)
11:46
